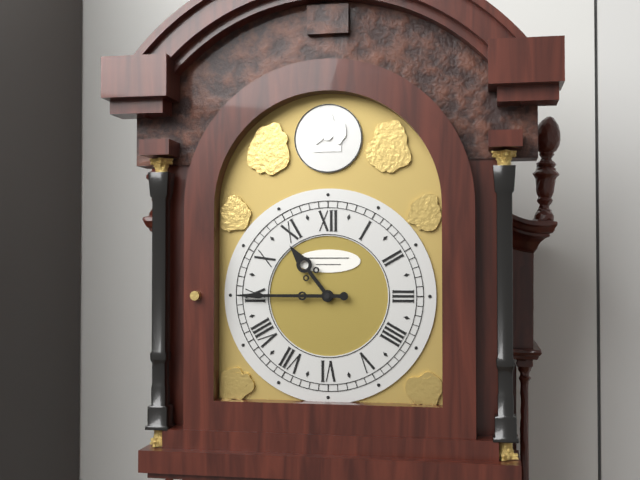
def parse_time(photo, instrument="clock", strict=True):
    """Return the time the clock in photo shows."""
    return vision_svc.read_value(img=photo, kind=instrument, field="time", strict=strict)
10:45
